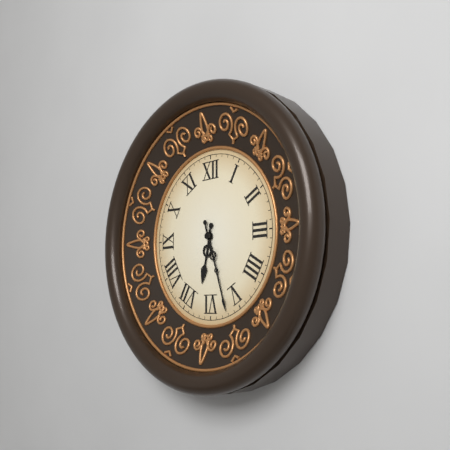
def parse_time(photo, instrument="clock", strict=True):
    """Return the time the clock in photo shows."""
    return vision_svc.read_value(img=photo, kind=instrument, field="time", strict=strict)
6:27
